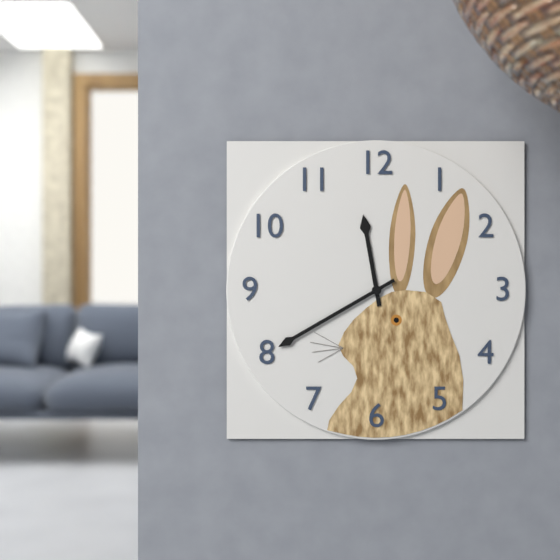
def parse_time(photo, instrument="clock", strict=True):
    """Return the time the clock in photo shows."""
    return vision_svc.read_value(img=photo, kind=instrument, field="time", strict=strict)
11:40
